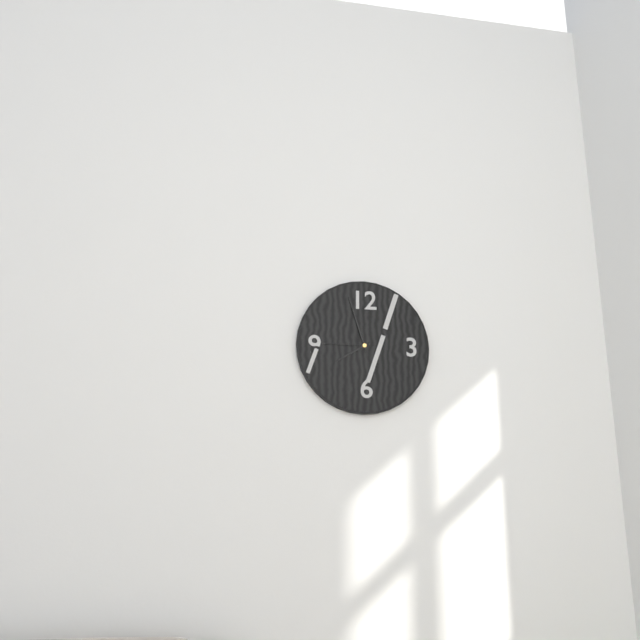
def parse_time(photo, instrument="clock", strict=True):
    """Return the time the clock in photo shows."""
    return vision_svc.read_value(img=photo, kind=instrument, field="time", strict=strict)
7:57:45
